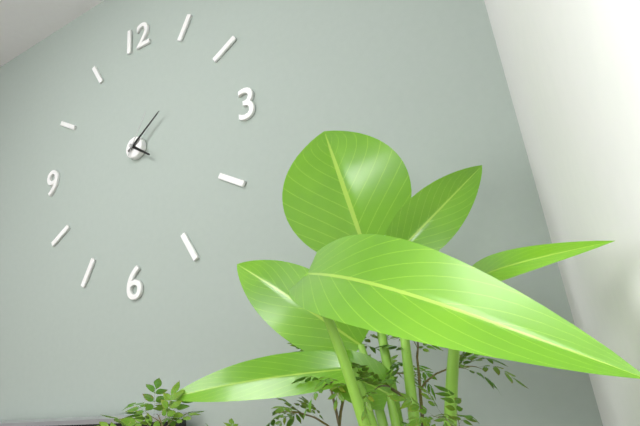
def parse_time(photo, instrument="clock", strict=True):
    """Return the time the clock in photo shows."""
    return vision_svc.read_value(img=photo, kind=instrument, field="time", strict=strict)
4:09
